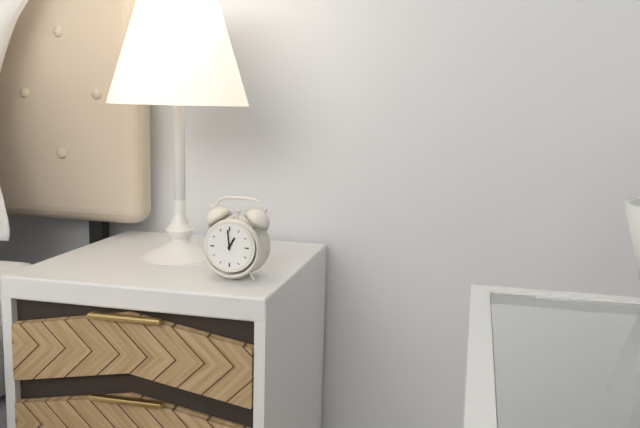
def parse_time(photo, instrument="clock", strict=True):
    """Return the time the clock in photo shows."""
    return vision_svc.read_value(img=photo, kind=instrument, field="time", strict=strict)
12:59
